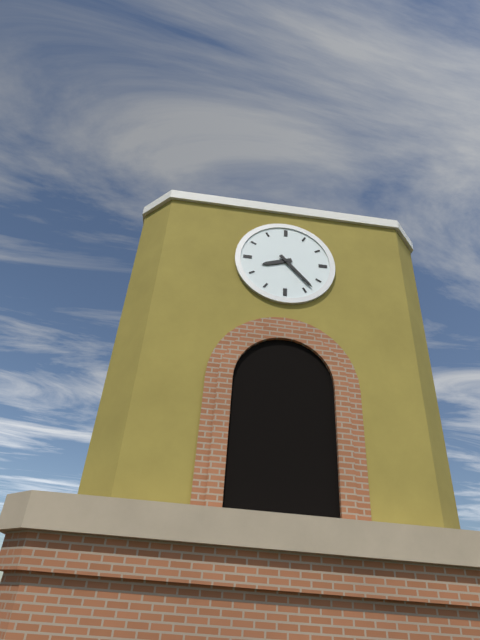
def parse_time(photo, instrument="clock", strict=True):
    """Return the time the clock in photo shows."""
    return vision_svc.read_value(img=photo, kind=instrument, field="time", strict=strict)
8:23
